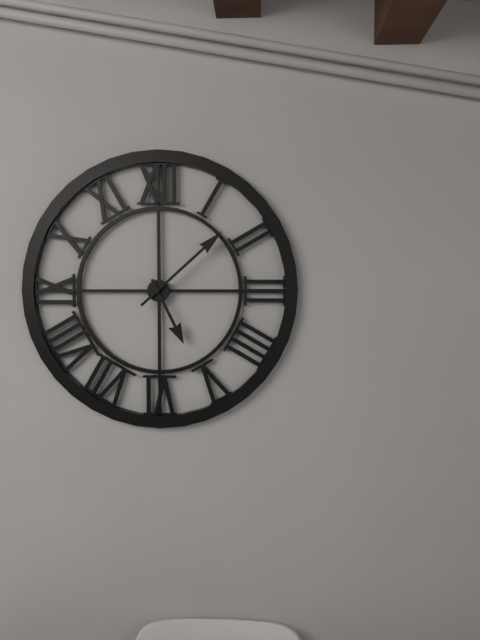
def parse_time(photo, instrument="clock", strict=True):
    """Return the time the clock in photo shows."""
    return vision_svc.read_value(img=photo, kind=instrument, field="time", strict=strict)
5:08
